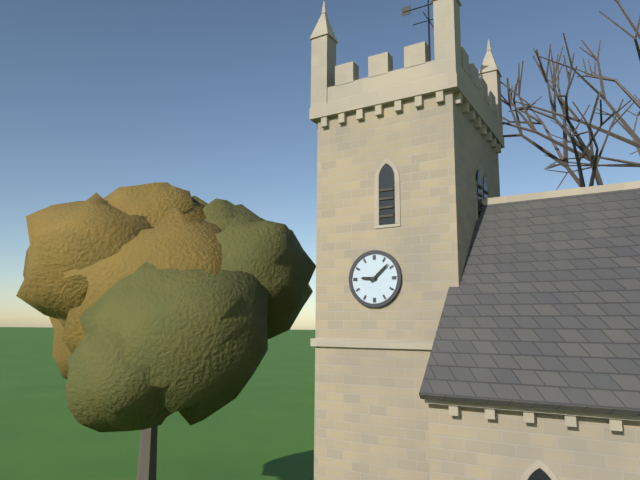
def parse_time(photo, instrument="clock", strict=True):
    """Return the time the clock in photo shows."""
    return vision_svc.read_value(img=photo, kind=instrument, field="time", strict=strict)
9:08
